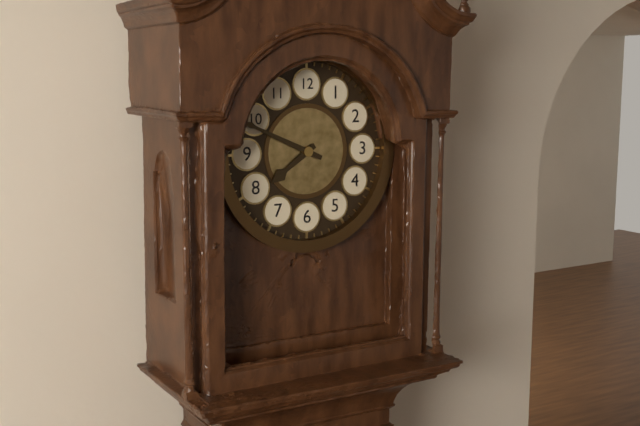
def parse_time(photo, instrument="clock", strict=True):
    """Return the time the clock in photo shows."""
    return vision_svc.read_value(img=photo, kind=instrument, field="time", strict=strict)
7:49
